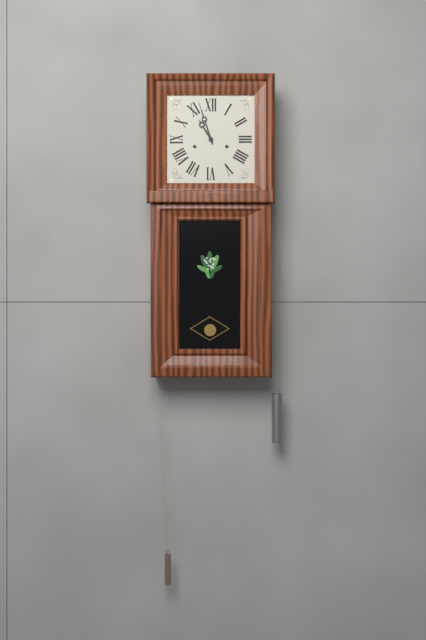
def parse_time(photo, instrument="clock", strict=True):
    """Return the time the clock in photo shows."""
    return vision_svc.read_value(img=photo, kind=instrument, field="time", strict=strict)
10:57
